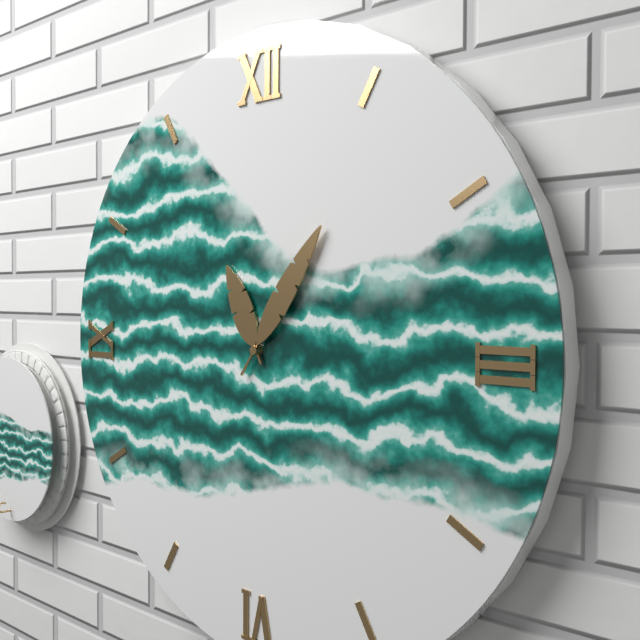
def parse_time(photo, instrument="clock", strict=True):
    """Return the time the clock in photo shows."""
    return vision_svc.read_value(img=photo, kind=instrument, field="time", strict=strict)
11:06
